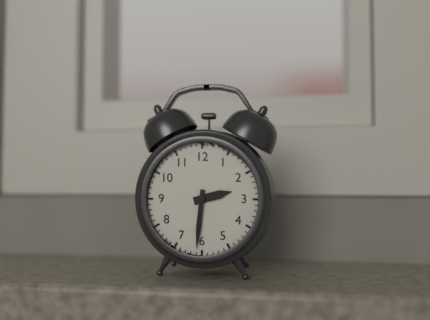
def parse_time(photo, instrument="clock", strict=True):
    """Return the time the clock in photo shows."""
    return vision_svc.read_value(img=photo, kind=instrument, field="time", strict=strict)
2:31
